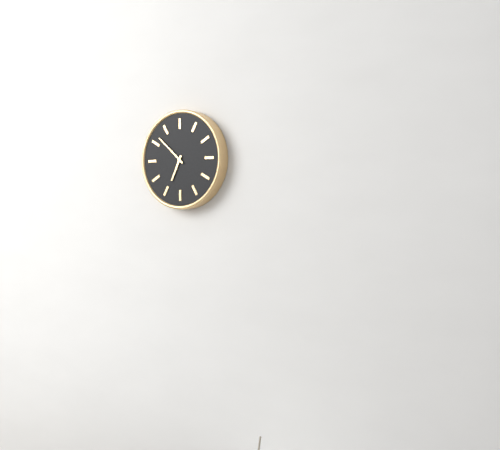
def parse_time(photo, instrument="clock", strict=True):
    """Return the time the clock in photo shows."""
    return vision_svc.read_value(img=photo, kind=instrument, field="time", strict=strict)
6:52
